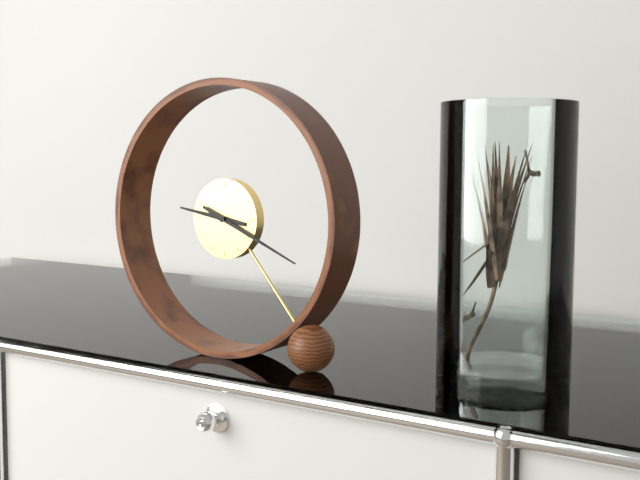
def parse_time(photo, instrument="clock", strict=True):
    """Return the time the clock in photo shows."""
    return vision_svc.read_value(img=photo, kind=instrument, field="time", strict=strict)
9:19
